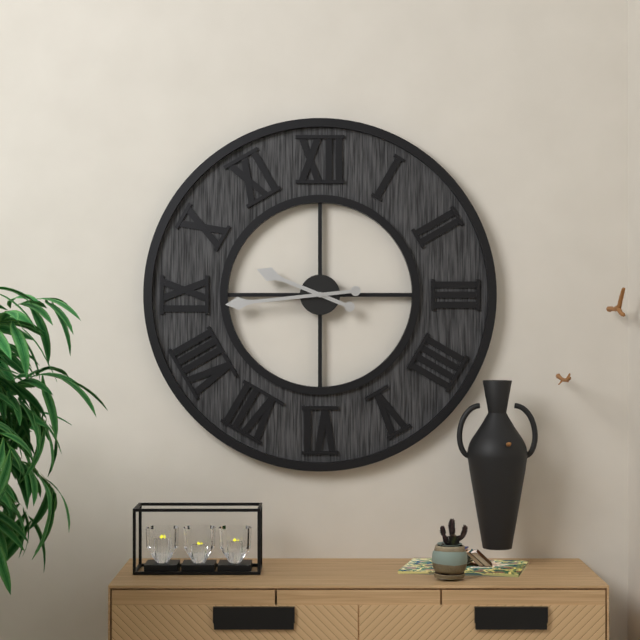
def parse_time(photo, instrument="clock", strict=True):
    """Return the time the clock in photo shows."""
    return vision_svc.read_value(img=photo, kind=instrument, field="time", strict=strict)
9:44
